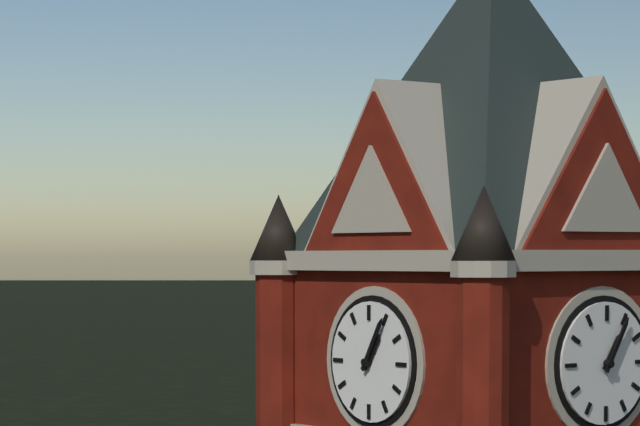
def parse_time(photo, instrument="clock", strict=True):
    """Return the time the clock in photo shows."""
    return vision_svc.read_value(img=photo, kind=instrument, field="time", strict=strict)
1:05
